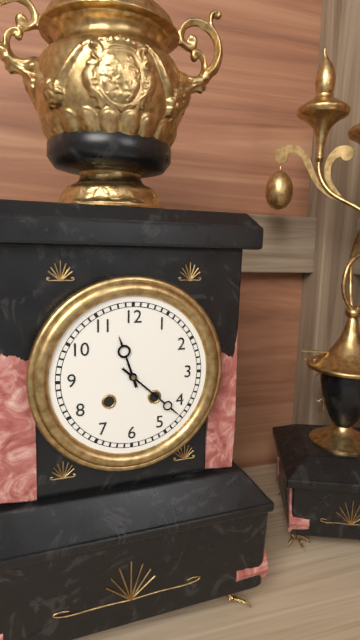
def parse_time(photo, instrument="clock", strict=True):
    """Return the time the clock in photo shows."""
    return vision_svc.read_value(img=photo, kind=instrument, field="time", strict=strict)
11:22
